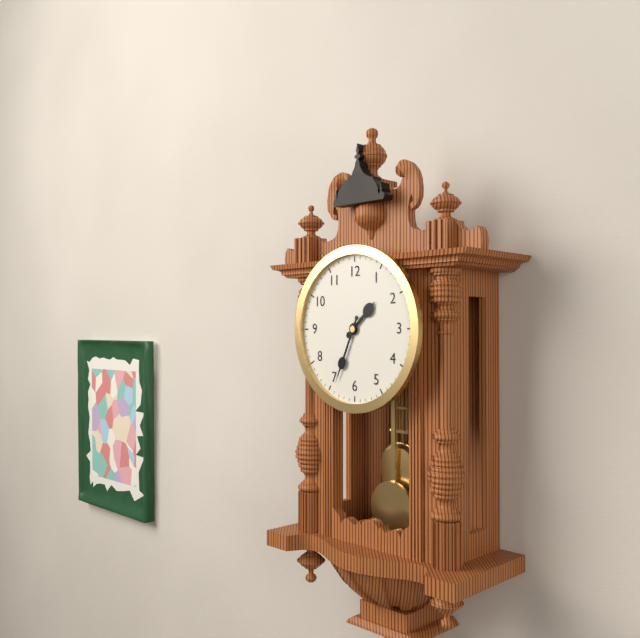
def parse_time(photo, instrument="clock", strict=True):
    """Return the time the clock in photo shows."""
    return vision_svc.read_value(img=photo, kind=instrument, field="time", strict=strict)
1:34
